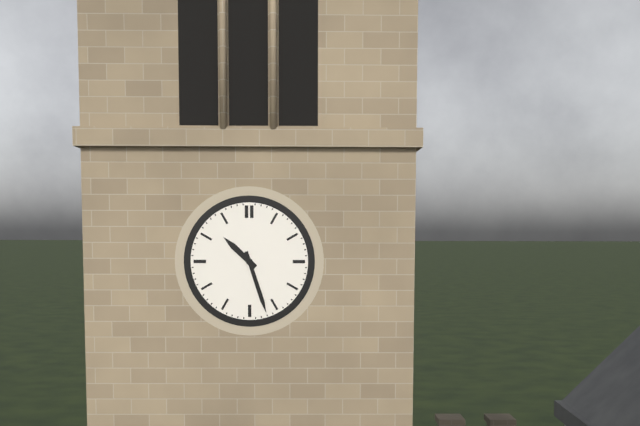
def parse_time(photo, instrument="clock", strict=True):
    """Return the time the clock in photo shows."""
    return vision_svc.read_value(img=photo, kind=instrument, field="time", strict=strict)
10:27
